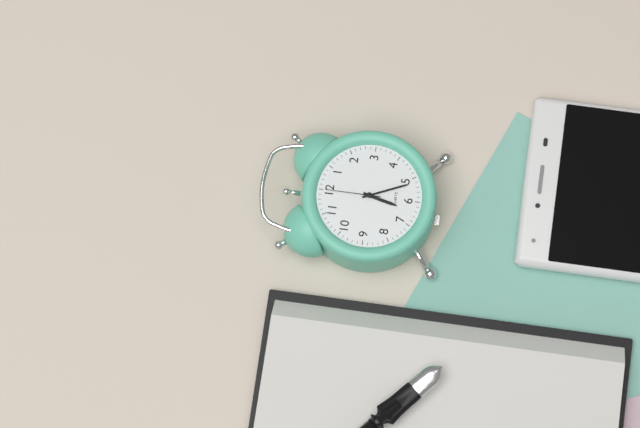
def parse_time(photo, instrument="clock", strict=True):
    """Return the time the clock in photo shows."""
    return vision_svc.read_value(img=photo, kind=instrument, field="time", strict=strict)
6:26:00
